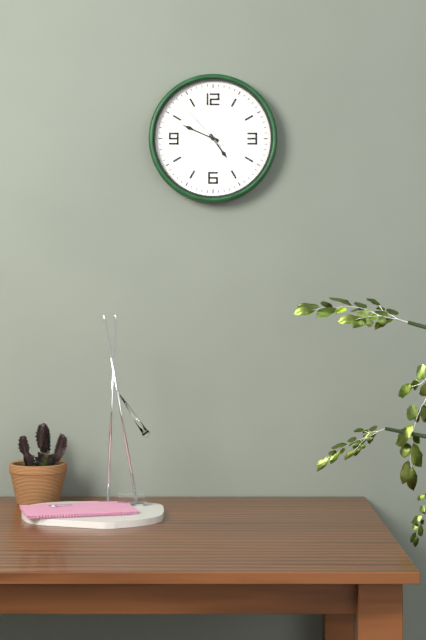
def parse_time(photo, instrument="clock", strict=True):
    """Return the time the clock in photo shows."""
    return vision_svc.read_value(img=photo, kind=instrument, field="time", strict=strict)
4:49:53
